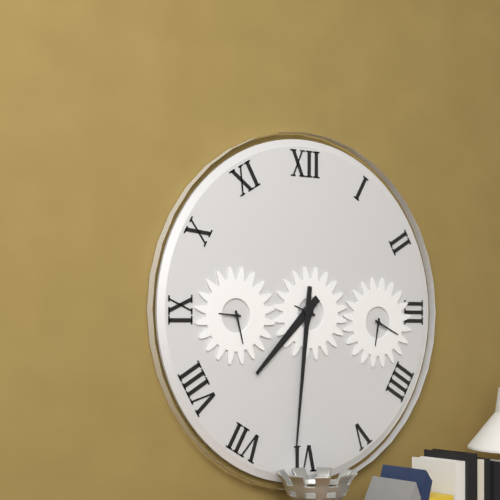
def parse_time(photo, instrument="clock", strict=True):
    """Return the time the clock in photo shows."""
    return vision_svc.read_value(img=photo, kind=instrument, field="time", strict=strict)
7:31
